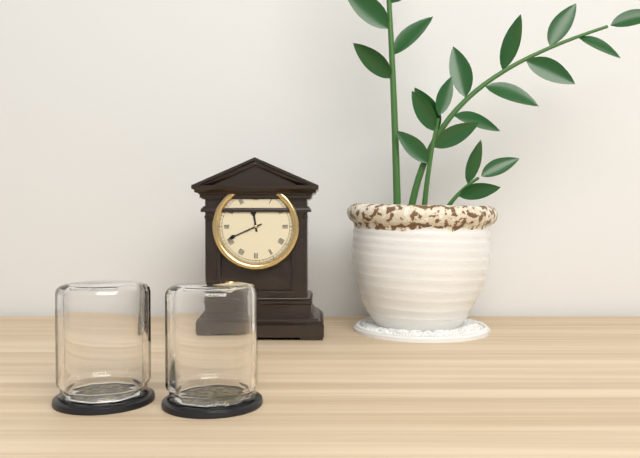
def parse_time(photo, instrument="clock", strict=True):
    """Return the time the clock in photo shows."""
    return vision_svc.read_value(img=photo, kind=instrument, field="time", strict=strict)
11:41
